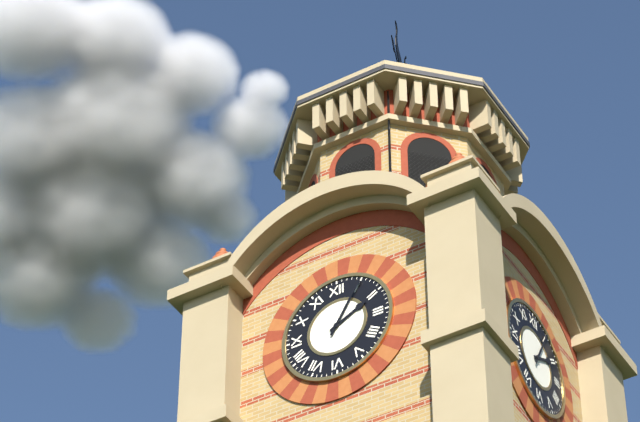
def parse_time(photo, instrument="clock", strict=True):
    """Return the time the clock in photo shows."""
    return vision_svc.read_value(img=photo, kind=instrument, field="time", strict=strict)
2:05
